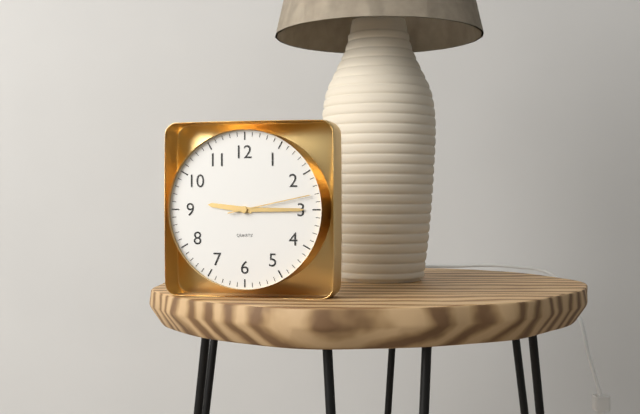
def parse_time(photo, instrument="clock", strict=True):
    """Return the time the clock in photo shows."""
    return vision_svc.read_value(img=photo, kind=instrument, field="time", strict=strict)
9:15:13
